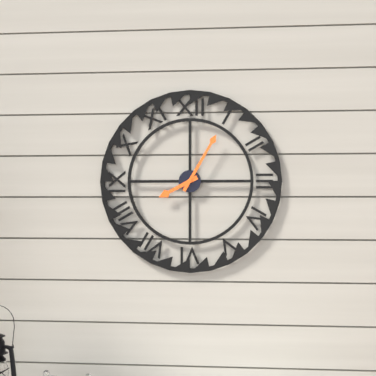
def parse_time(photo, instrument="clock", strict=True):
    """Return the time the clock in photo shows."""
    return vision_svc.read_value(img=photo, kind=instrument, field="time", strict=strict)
8:05
